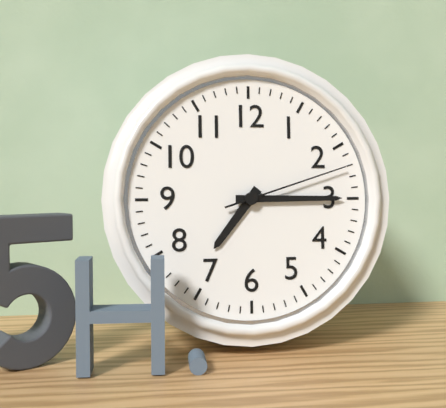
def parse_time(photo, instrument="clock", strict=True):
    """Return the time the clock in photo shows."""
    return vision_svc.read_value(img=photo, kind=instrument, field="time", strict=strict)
7:15:12
